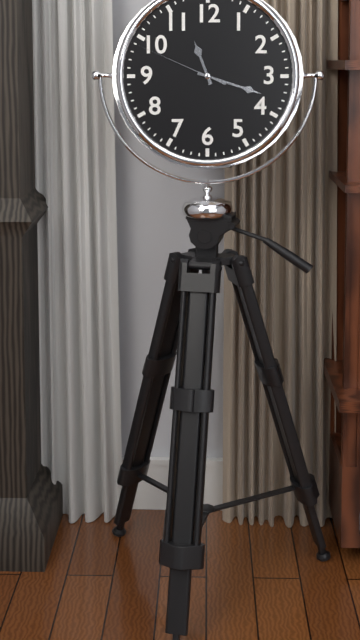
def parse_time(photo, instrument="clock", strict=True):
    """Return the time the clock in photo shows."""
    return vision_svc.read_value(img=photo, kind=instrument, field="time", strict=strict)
11:18:49
